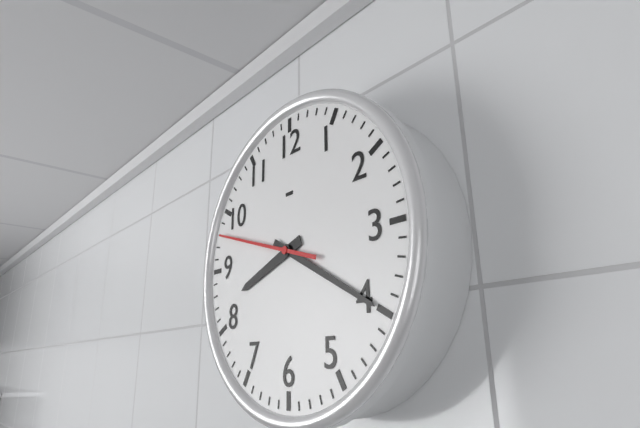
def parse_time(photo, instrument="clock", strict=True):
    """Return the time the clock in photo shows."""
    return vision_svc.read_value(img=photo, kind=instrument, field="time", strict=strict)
8:20:48
